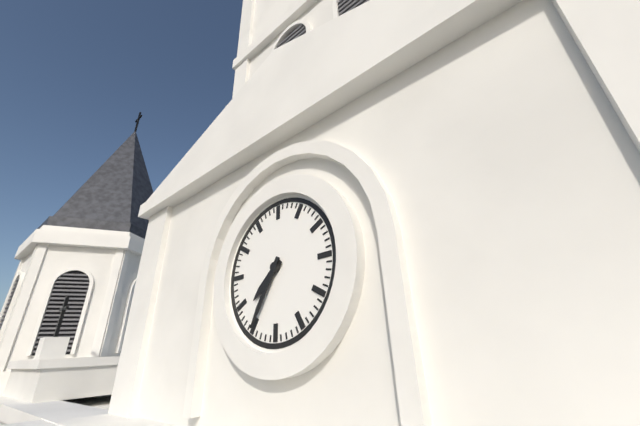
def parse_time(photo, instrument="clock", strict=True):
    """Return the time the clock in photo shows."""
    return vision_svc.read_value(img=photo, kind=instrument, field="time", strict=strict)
7:35
